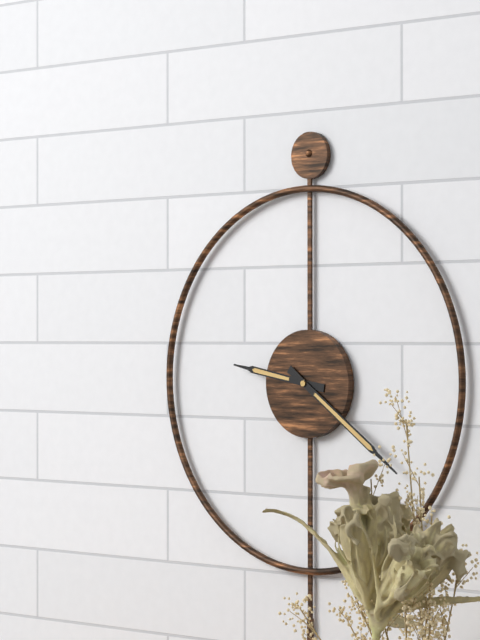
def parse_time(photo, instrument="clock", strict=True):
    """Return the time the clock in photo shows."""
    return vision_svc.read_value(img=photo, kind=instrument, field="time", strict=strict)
9:21
